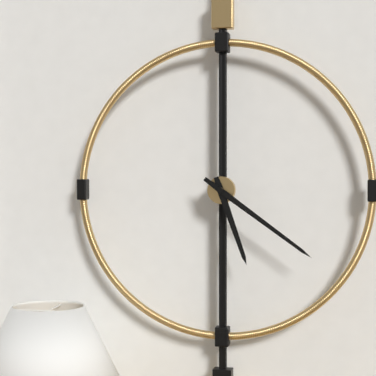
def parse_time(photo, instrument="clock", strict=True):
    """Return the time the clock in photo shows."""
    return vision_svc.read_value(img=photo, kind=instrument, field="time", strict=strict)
5:21
